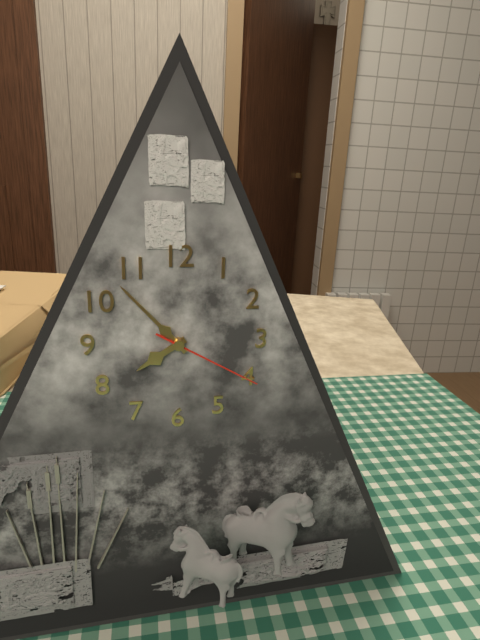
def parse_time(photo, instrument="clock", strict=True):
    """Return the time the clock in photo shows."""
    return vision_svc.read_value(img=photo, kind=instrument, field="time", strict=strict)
7:53:20
